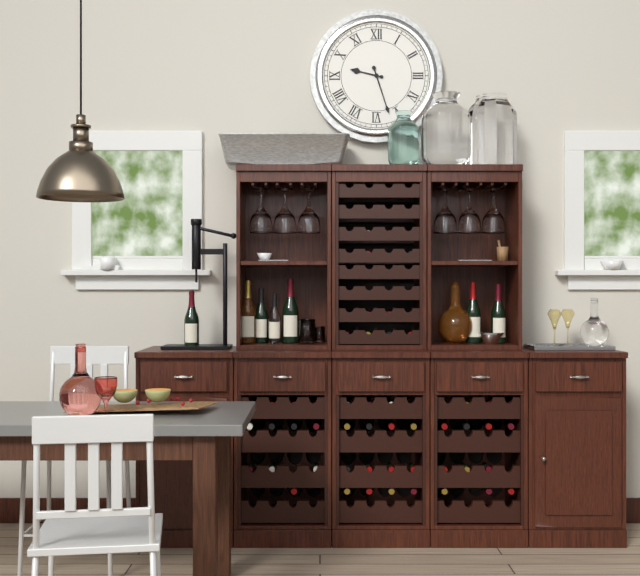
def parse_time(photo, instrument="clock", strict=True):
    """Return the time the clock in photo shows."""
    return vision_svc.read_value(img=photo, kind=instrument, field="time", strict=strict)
9:27
